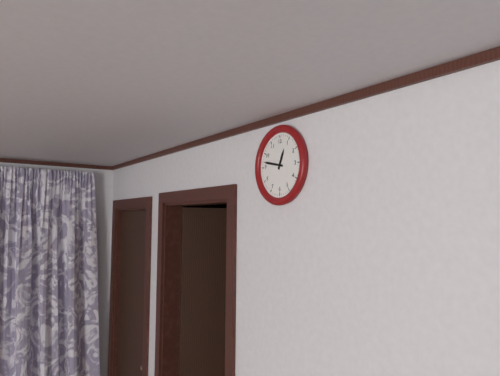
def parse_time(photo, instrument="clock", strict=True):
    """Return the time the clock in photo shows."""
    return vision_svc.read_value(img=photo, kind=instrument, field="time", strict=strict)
12:47
